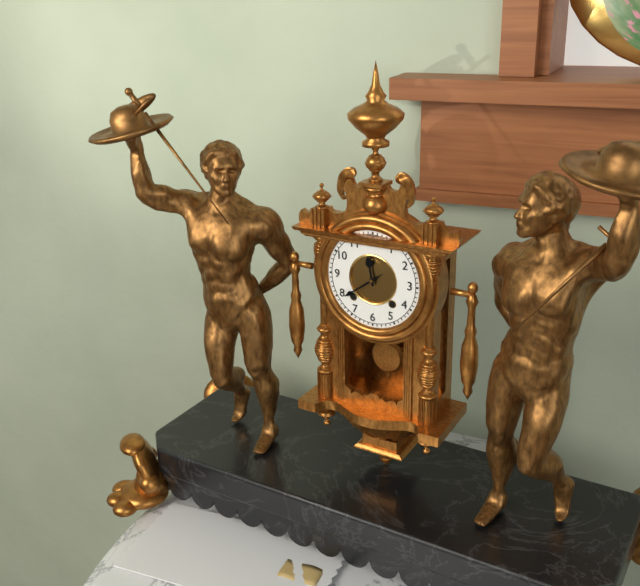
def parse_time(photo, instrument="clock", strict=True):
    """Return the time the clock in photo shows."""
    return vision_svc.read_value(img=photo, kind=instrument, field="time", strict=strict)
11:39
